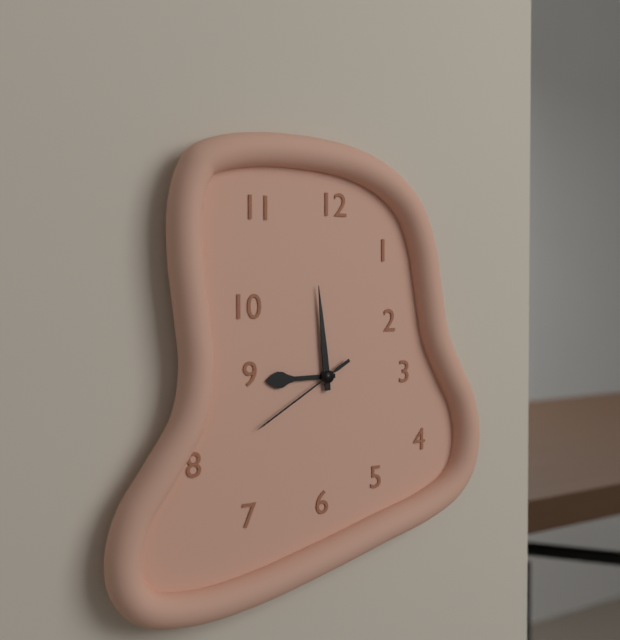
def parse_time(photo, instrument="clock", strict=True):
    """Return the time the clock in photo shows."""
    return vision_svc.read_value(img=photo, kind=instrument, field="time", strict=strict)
8:59:40
